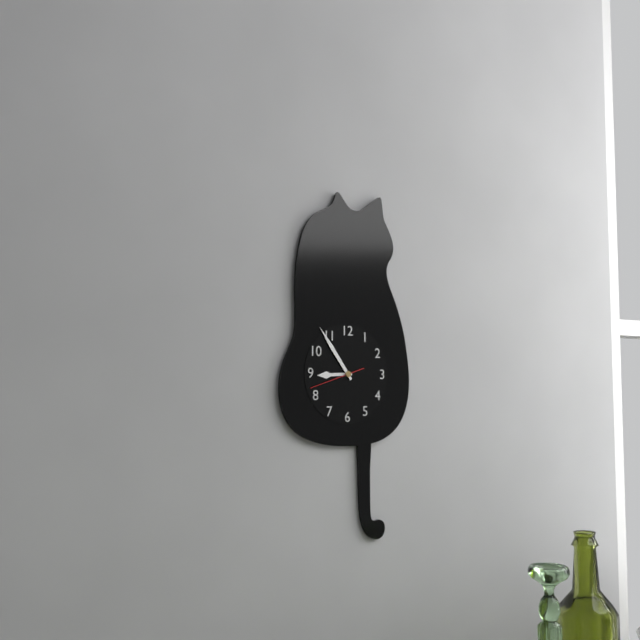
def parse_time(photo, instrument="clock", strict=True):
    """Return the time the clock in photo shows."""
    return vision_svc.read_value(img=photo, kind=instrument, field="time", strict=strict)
8:54:42
